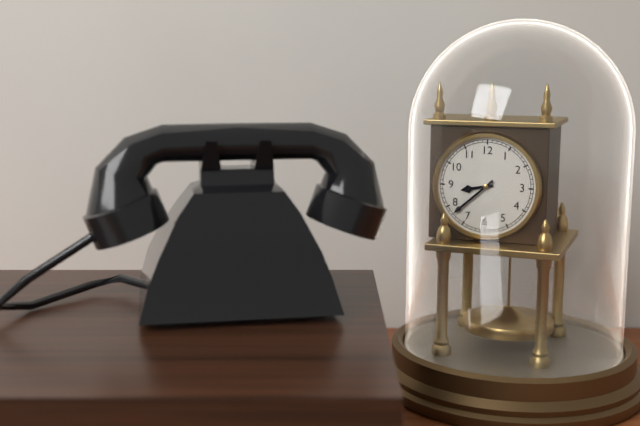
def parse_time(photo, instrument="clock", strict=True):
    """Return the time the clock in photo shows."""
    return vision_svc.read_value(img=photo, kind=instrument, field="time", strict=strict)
8:38
